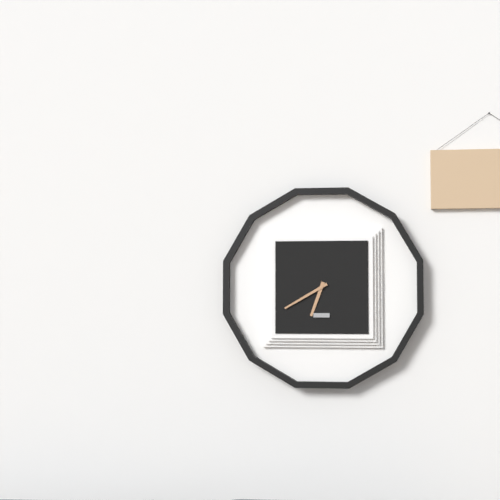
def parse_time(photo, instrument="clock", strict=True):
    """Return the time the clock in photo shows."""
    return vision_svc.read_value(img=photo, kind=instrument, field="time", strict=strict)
6:40
